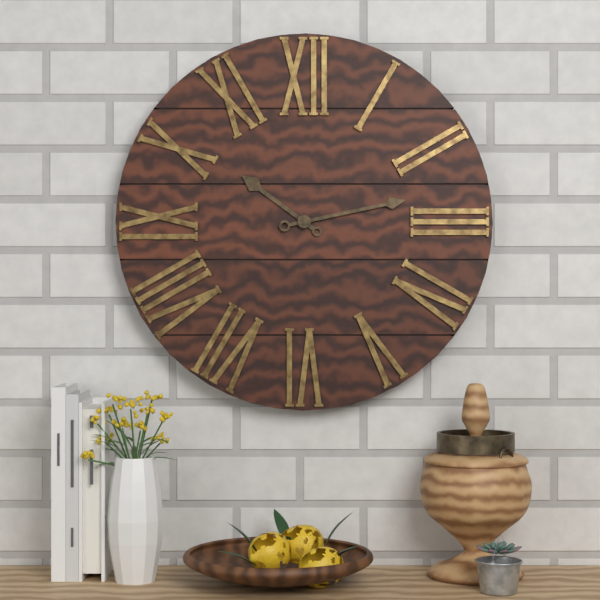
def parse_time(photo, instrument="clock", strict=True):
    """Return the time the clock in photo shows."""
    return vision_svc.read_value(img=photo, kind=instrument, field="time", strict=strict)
10:13
